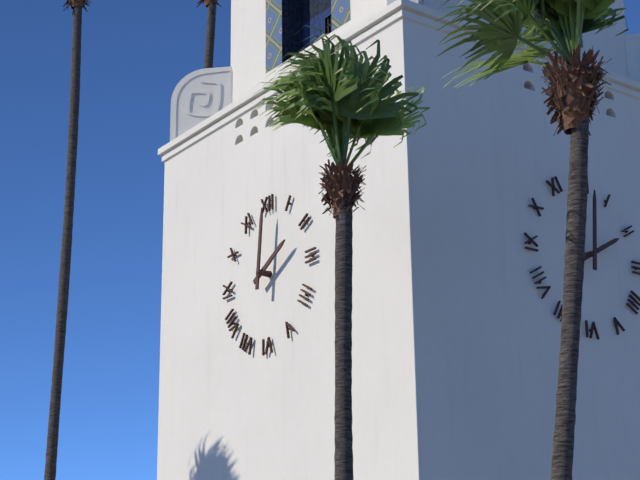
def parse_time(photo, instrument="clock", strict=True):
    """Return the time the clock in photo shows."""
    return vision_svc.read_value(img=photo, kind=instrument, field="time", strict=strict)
2:01
